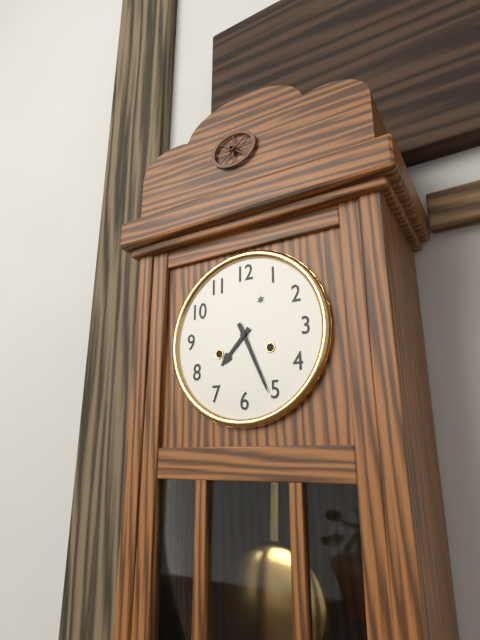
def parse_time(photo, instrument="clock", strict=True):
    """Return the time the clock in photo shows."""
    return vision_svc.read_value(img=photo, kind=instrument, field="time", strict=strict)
7:26
